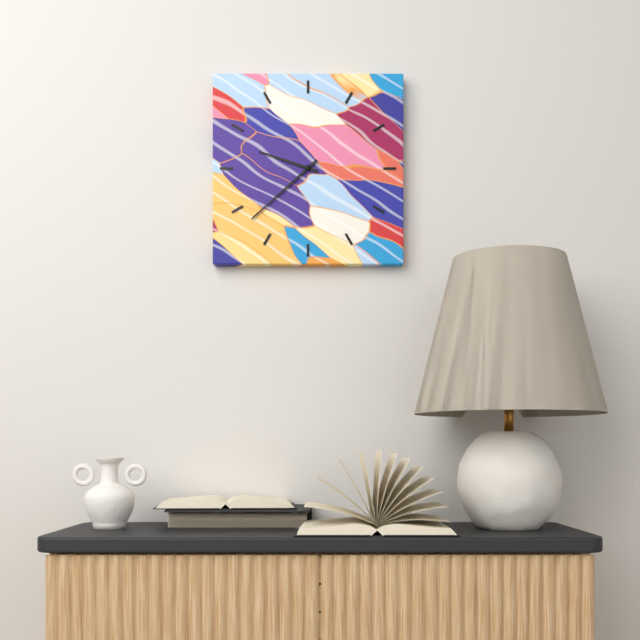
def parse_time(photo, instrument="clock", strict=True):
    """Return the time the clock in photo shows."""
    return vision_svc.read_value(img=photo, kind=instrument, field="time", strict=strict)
9:38
